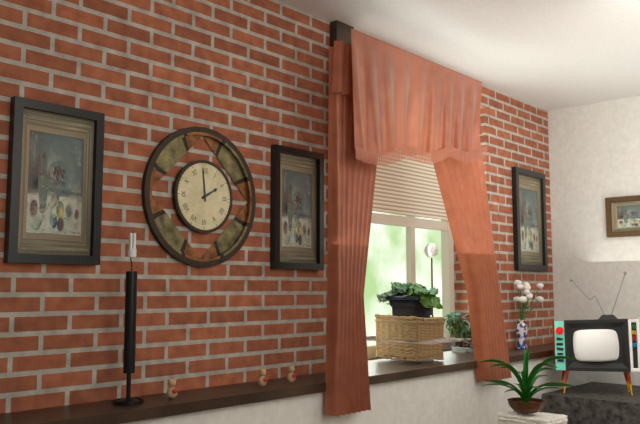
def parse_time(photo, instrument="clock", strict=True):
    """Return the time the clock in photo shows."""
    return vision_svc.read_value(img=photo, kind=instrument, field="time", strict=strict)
1:59
